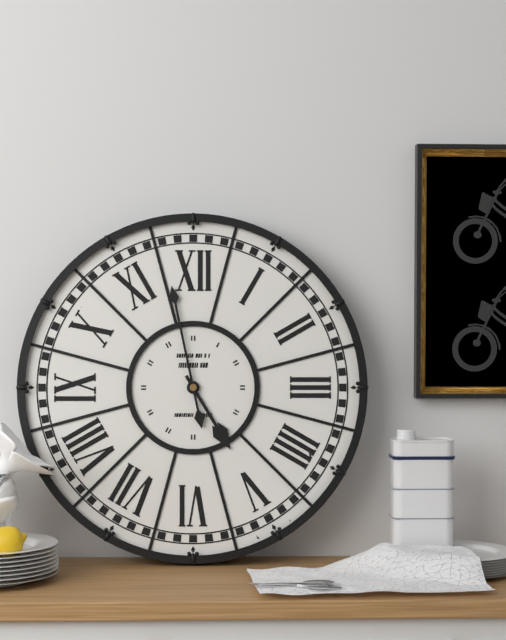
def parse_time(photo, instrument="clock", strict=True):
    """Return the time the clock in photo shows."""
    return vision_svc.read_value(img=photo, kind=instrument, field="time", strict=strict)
4:58
